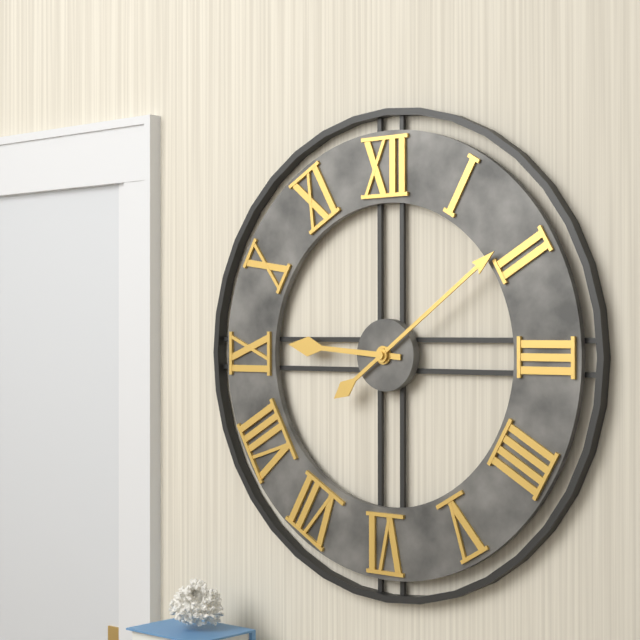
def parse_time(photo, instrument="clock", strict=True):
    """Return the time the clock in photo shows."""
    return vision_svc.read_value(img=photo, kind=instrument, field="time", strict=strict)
9:09
